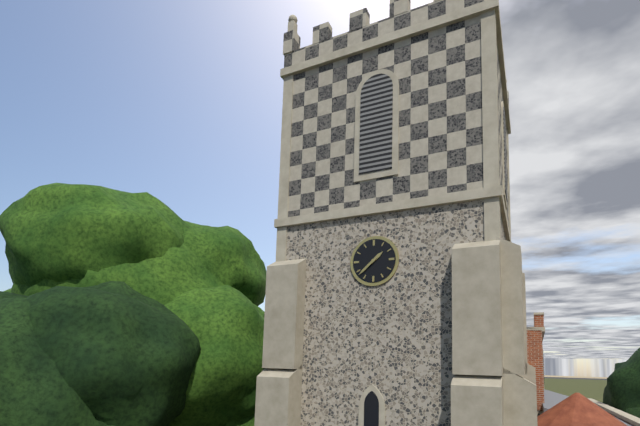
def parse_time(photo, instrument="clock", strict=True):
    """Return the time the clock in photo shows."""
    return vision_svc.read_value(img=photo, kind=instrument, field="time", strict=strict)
1:38
